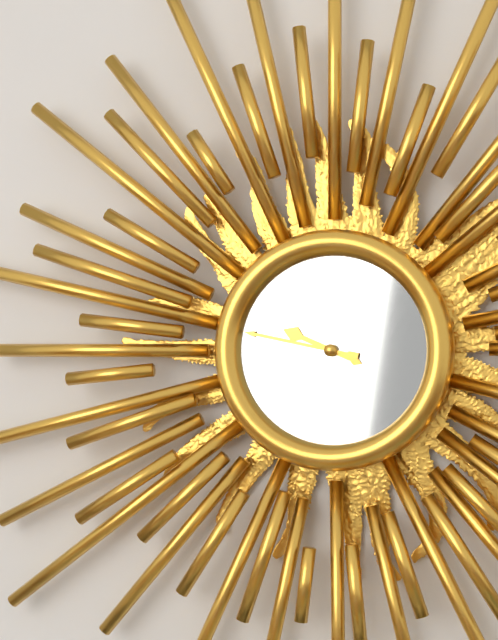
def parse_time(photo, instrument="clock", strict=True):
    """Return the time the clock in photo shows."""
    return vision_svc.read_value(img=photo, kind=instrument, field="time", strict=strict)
9:47
